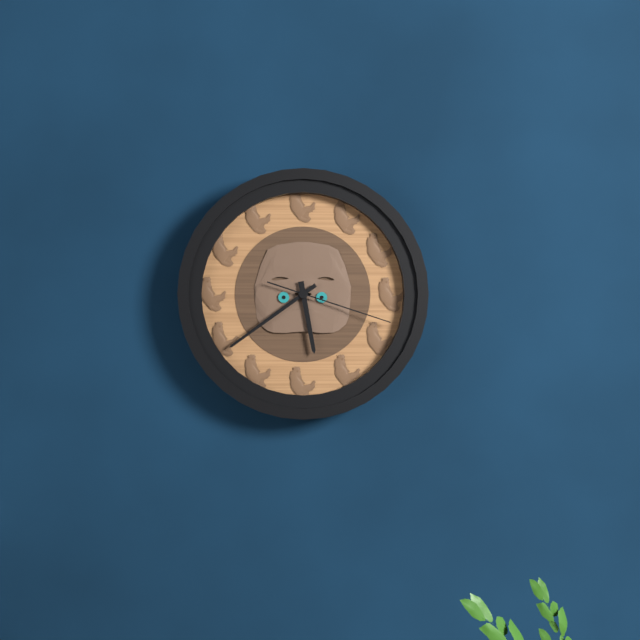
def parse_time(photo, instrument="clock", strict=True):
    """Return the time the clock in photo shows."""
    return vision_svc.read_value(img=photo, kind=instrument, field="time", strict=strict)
5:39:18
